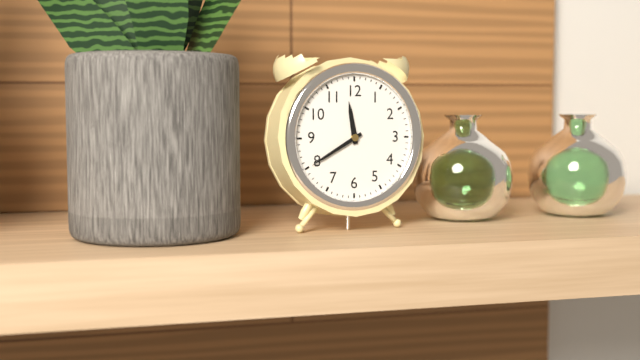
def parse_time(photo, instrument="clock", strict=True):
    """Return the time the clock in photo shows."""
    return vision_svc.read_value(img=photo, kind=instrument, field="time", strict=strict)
11:40
